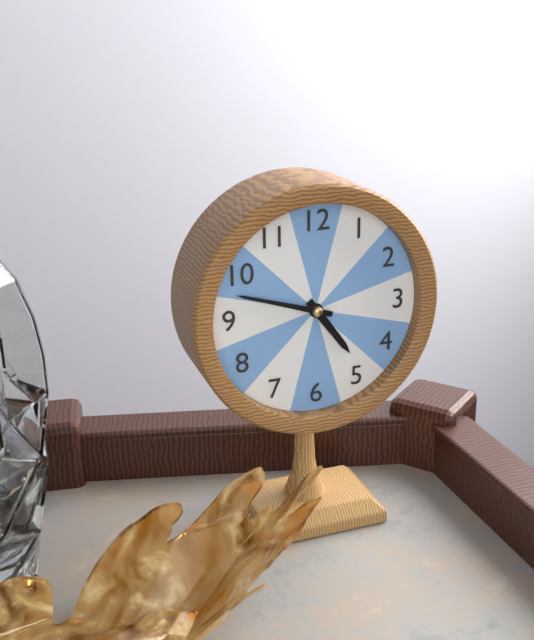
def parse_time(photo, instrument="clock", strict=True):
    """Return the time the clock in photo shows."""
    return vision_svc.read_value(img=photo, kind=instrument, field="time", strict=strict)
4:48
